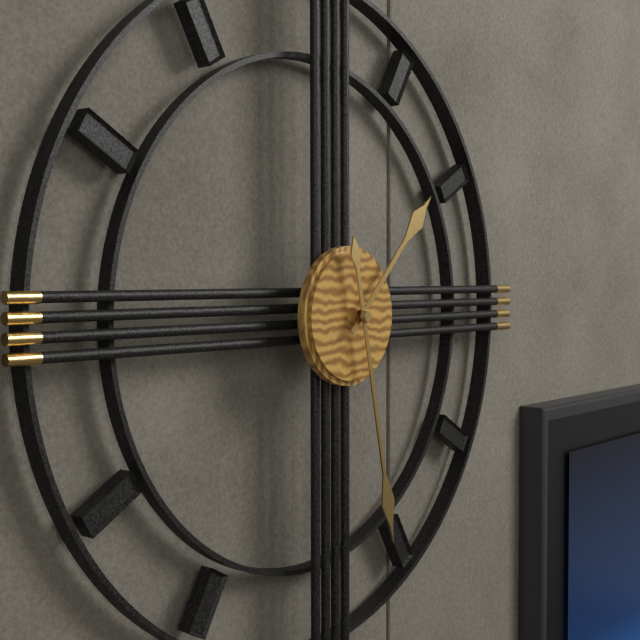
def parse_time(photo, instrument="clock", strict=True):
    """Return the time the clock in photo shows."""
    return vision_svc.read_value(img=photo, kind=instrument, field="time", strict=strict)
1:28
